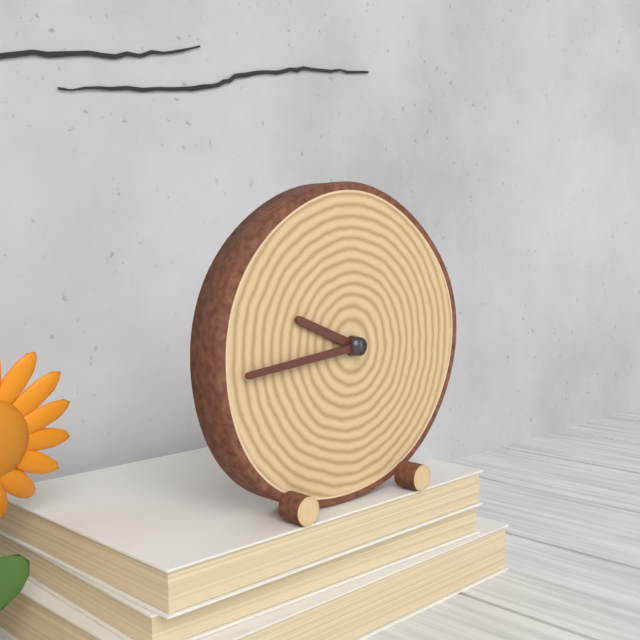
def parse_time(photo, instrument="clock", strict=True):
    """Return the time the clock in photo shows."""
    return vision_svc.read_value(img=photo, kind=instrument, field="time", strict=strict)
9:44
